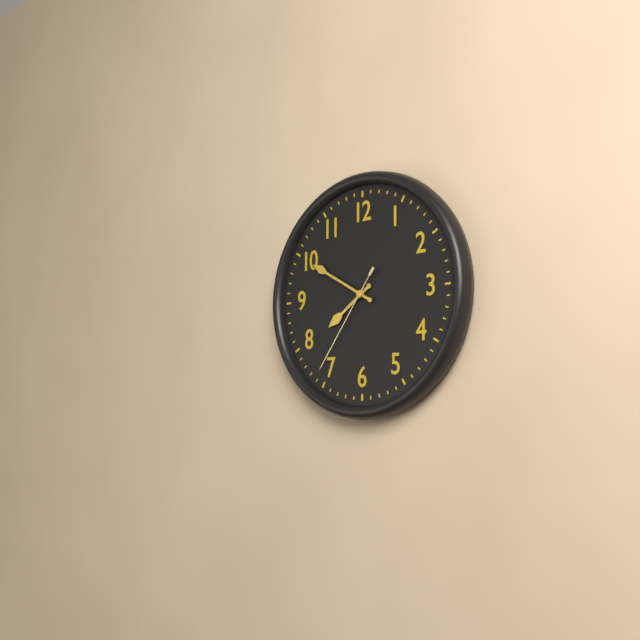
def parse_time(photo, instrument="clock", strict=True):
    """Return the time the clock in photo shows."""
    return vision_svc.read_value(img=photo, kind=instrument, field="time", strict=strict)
7:50:36
